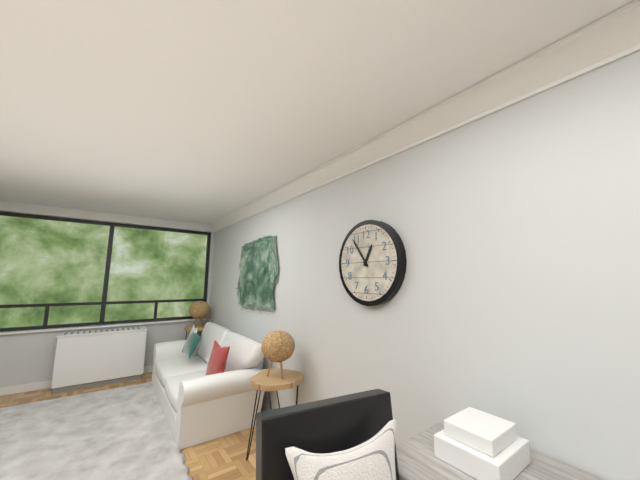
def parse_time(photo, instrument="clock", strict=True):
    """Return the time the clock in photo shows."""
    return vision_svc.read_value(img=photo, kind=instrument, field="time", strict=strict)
12:54
